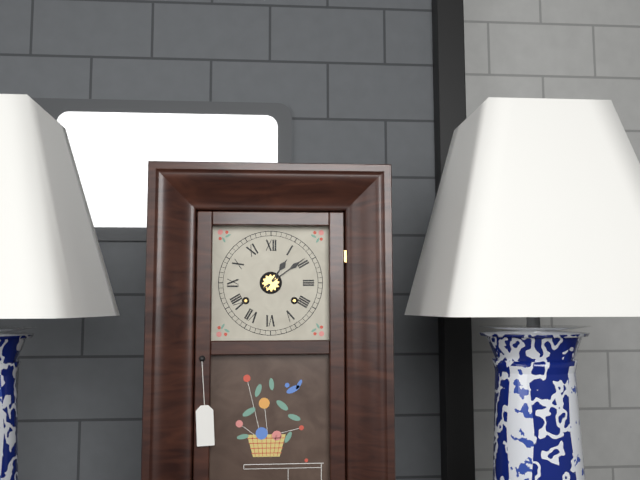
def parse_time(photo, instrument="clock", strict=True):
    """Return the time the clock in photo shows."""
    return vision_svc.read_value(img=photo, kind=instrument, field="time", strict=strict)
1:09
